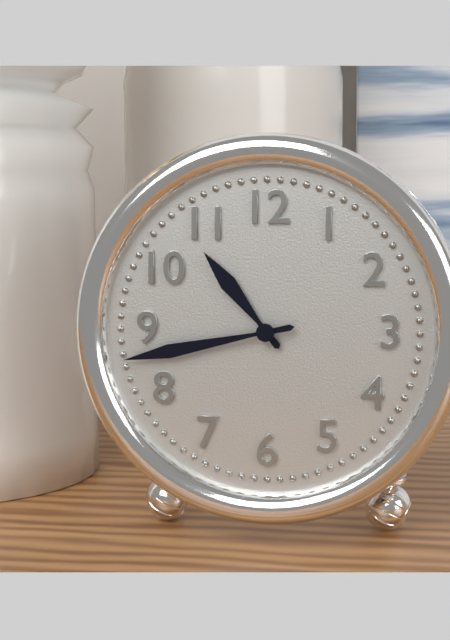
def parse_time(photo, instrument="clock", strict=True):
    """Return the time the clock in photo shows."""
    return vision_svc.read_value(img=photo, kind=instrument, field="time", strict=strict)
10:43
